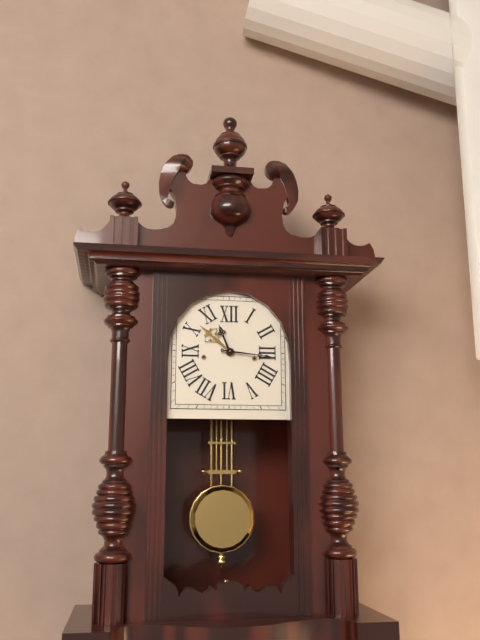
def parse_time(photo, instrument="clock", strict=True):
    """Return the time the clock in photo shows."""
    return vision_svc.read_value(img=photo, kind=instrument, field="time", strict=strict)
11:16
